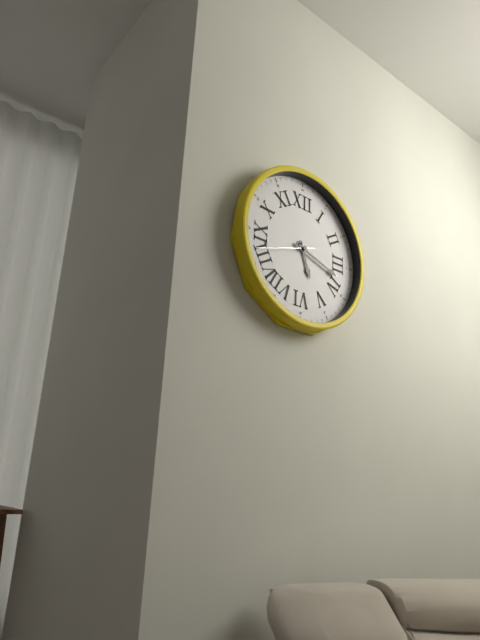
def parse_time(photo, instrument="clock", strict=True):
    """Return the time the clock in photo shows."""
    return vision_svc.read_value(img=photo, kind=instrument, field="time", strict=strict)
5:18:42
